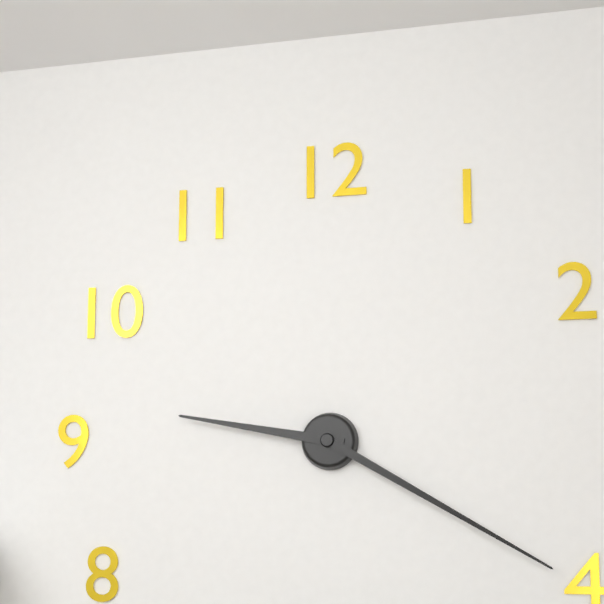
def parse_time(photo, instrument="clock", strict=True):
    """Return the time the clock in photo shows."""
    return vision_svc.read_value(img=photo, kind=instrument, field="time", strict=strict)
9:20
